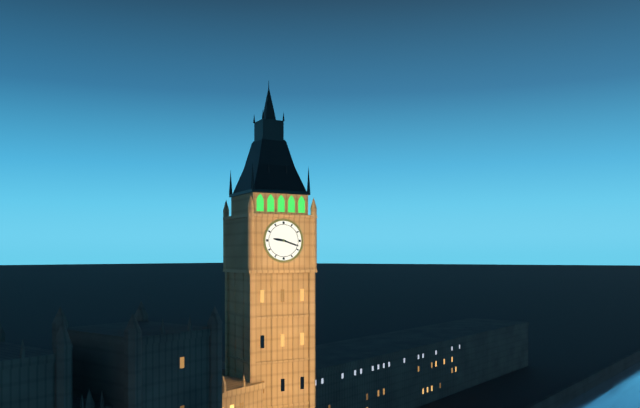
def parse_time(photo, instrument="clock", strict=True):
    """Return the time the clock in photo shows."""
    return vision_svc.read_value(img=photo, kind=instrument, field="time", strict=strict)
9:18
